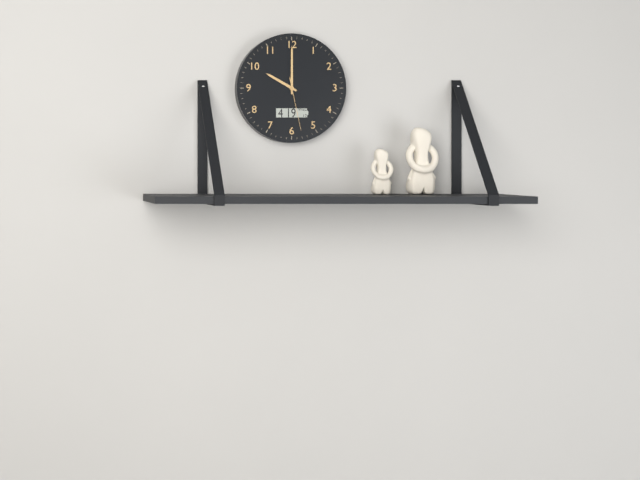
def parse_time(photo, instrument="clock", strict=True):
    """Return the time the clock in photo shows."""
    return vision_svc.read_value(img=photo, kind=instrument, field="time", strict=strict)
10:00:28
